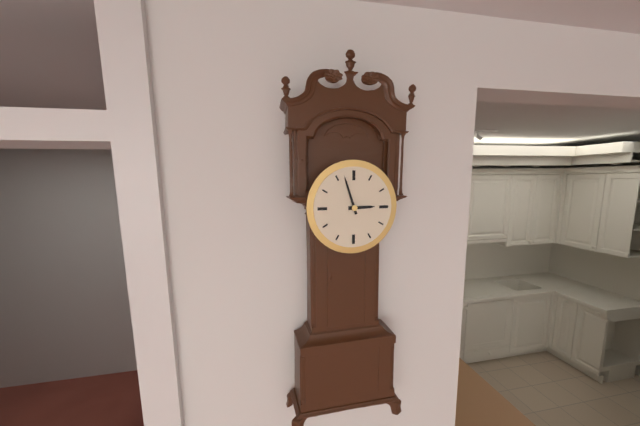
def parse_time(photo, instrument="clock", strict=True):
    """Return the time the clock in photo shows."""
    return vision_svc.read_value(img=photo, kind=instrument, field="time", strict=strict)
2:57
